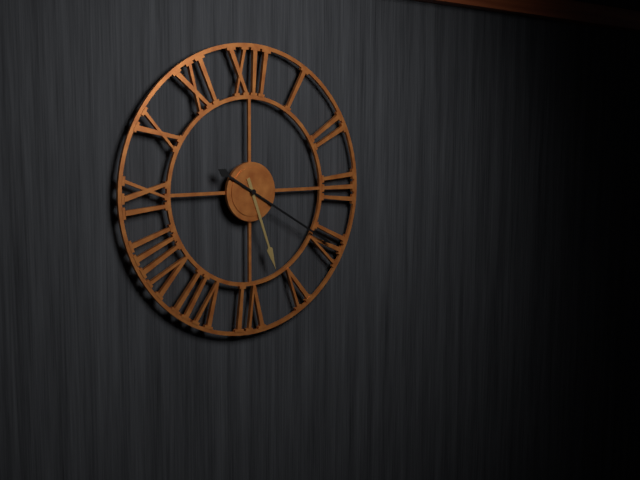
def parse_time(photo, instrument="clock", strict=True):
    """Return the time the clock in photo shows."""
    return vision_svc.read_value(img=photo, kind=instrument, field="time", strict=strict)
5:20
